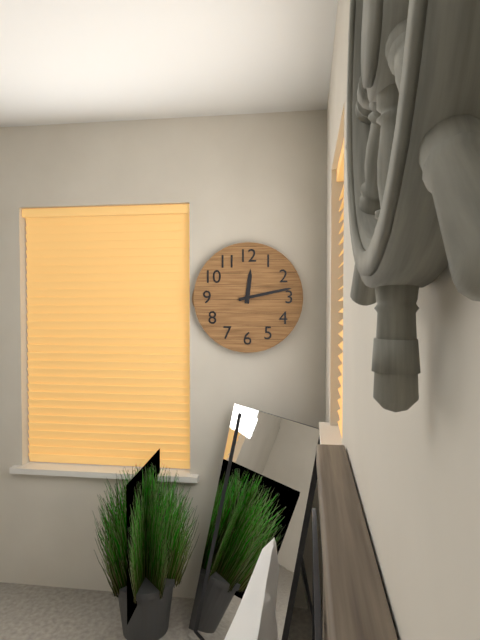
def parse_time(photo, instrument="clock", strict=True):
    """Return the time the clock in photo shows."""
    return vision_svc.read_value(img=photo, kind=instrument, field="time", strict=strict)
12:13
